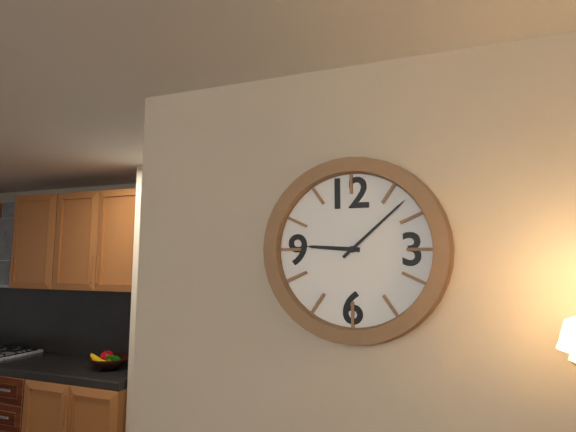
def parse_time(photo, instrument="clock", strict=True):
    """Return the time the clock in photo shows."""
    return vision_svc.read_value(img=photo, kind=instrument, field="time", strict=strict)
9:08
